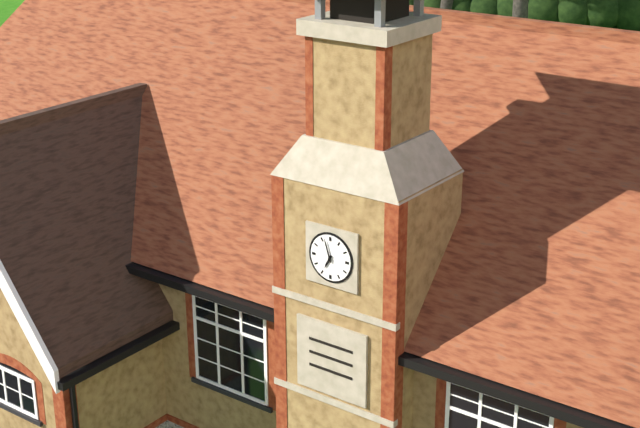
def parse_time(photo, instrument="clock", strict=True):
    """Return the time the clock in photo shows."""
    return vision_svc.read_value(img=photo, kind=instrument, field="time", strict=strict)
6:57
